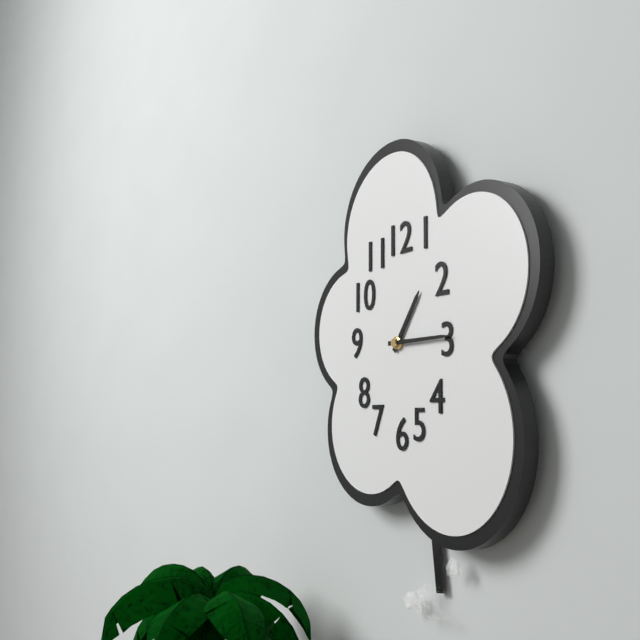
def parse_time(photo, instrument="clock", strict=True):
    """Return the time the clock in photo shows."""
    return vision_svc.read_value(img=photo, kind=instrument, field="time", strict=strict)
1:15
